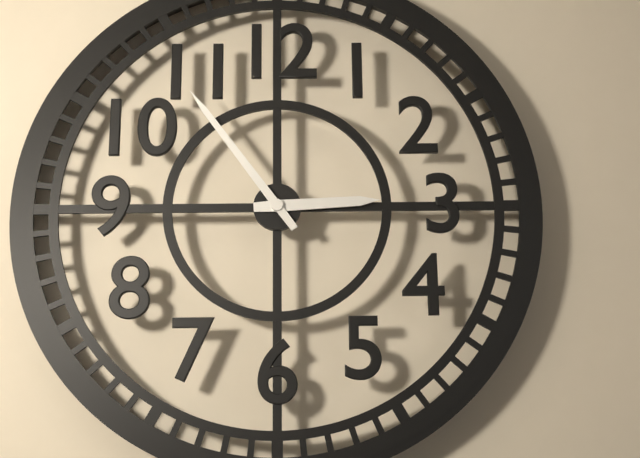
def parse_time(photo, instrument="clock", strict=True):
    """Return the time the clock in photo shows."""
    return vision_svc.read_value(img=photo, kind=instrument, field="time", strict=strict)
2:54
